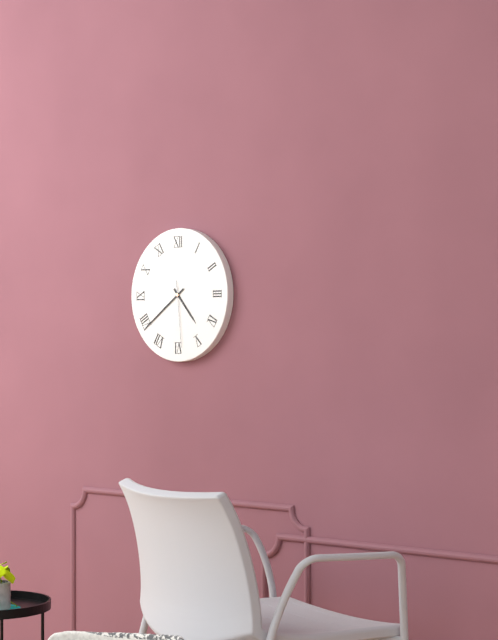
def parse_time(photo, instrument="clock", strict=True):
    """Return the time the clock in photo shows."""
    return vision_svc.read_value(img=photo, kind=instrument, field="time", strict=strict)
4:39:29
